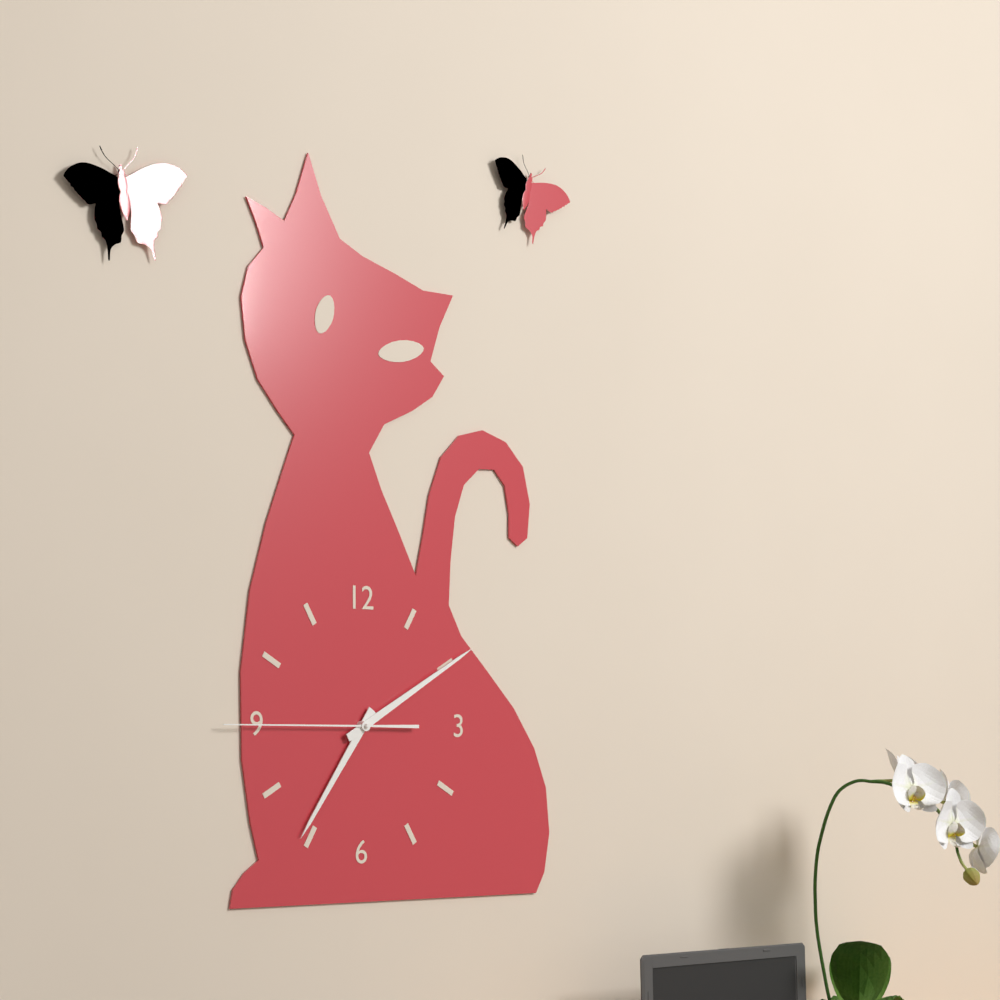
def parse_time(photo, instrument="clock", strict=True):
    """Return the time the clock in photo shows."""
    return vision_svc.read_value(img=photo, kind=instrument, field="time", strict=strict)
7:10:45
